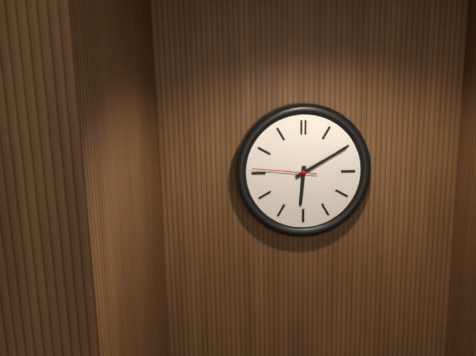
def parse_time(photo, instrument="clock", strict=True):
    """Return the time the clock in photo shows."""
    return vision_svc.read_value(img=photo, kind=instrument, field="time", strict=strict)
6:10:46
